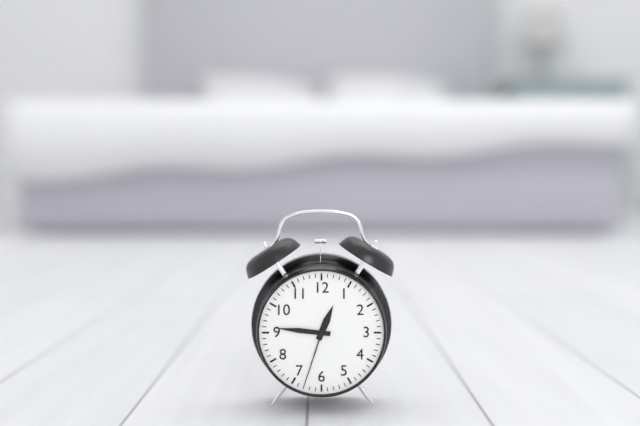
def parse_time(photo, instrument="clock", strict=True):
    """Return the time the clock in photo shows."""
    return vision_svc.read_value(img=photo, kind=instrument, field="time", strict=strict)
12:46:33
